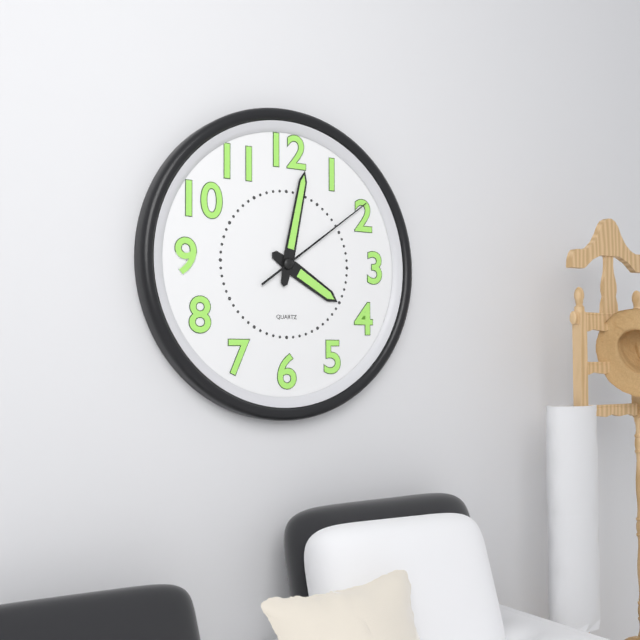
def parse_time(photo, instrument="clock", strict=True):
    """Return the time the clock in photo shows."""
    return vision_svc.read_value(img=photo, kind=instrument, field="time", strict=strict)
4:02:09
